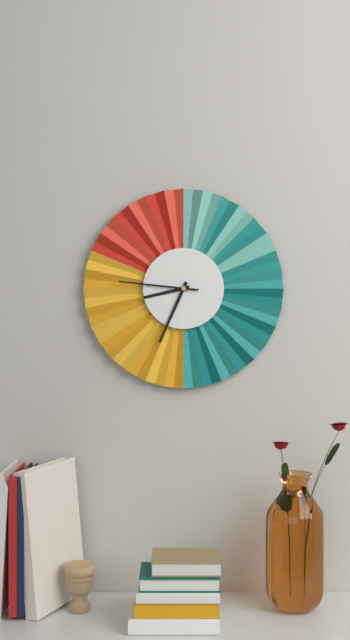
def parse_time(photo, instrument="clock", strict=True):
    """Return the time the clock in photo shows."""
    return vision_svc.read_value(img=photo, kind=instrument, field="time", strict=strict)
8:34:46
